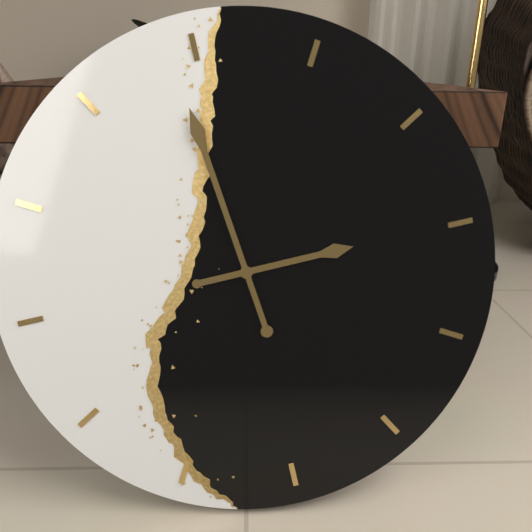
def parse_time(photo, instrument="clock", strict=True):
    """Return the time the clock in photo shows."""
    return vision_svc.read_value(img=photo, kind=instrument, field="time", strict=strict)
2:59
